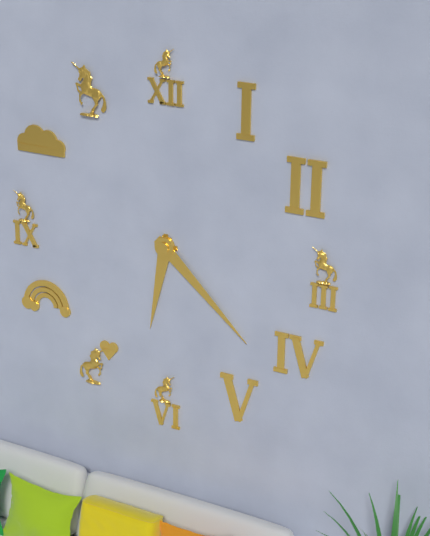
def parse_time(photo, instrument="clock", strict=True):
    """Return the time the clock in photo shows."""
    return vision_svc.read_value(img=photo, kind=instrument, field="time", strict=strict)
6:22
